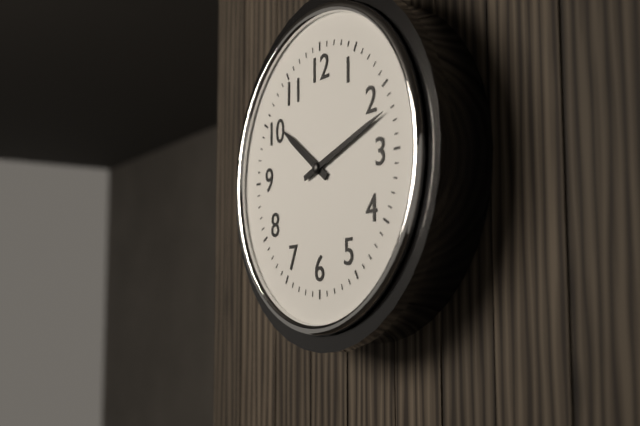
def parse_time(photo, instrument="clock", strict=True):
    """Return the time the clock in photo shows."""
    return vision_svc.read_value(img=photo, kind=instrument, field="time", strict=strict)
10:12
